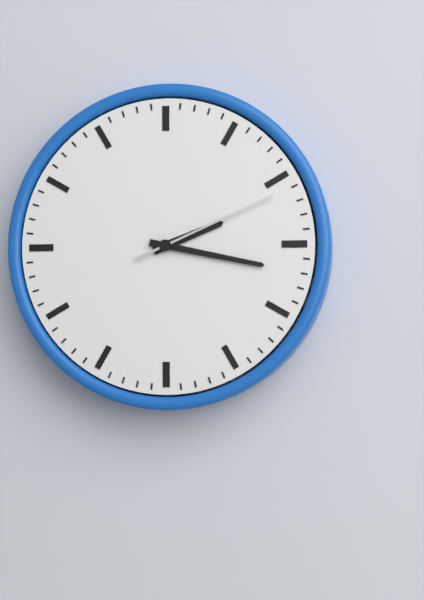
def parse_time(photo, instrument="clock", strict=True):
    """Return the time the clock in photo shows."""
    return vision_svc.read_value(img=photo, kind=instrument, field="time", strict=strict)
2:17:11
